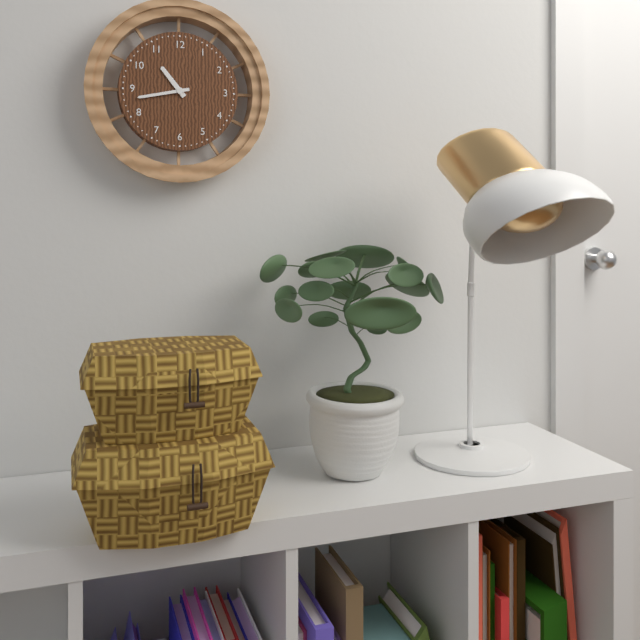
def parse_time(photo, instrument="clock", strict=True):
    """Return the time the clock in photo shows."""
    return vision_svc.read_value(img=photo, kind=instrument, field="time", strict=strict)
10:43
